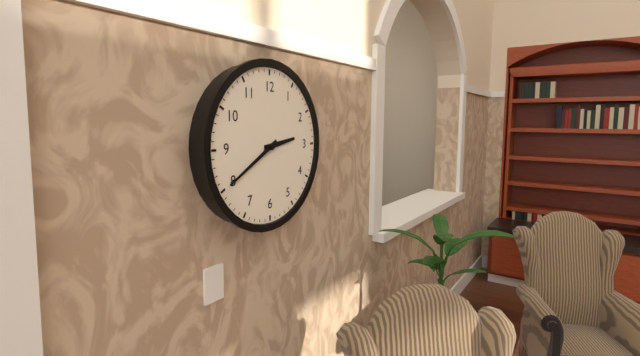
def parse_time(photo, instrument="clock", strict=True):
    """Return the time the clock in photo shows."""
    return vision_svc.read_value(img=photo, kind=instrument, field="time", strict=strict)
2:40
